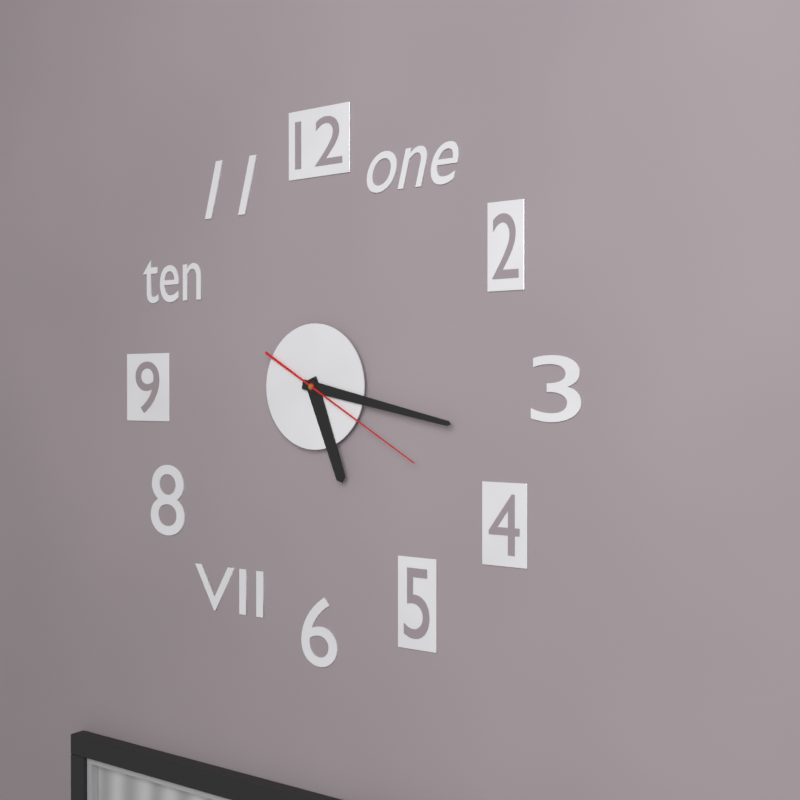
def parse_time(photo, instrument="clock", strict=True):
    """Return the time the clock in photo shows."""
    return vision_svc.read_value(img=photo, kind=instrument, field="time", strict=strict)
5:17:20
